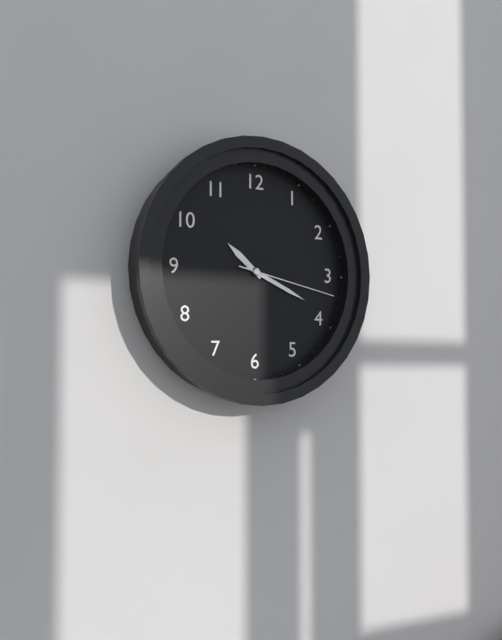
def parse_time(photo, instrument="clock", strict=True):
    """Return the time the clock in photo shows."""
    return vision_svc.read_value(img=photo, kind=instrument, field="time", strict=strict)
10:19:17
